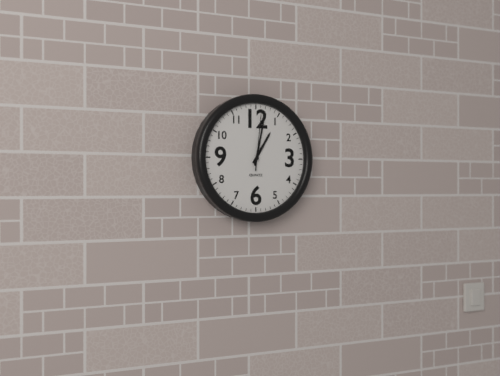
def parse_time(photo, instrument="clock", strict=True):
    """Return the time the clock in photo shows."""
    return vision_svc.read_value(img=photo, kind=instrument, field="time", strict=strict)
1:02:01
